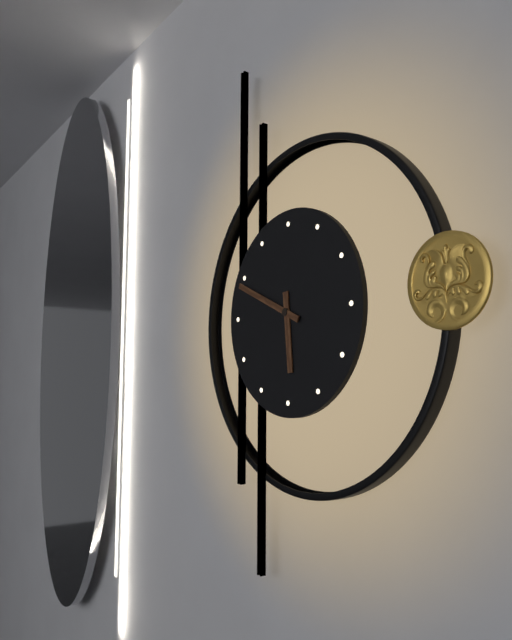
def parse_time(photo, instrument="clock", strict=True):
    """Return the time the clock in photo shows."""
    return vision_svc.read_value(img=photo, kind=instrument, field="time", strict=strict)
5:49
